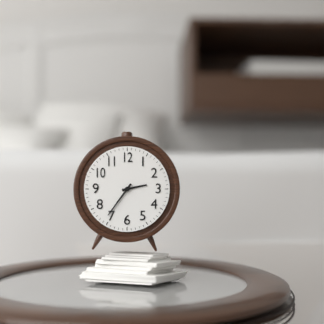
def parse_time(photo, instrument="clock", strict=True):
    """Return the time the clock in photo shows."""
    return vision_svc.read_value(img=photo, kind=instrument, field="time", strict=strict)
2:36
